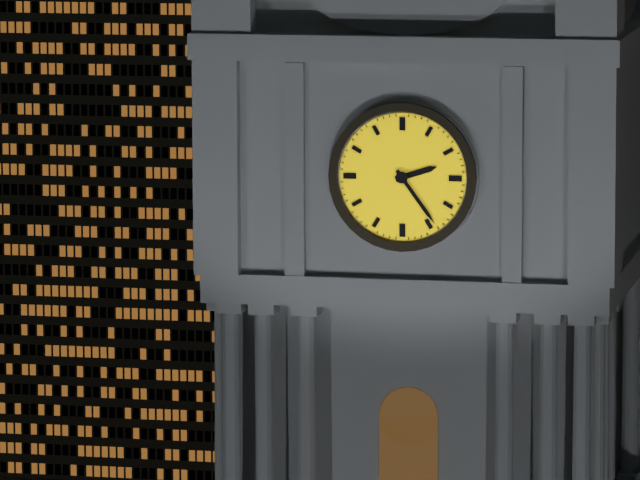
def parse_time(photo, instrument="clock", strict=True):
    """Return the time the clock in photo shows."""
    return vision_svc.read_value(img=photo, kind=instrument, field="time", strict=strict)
2:24
